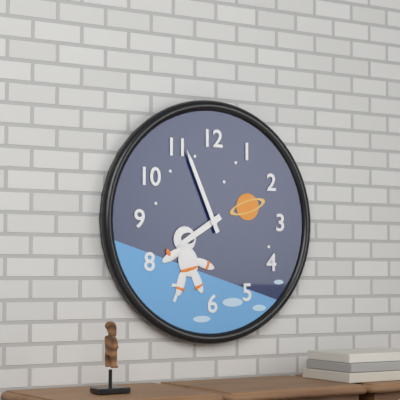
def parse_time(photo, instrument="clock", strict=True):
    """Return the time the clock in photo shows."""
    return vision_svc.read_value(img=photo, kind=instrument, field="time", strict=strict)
7:56
